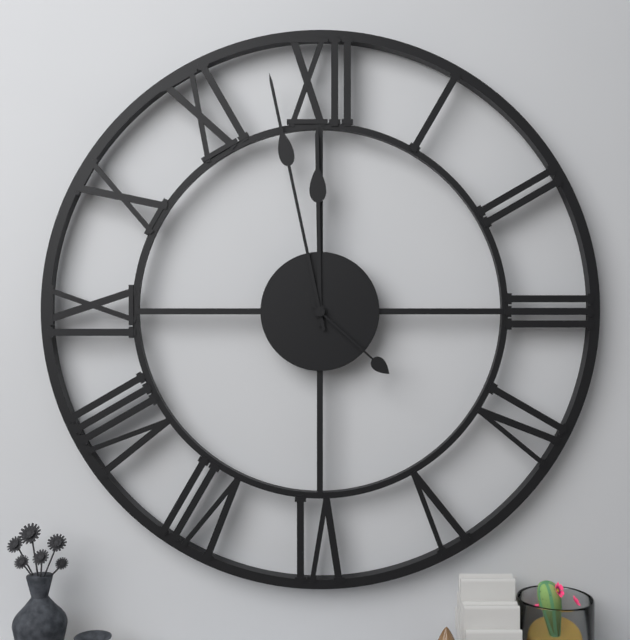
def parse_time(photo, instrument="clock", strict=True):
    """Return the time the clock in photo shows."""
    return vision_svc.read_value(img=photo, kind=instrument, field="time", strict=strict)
11:58:22
